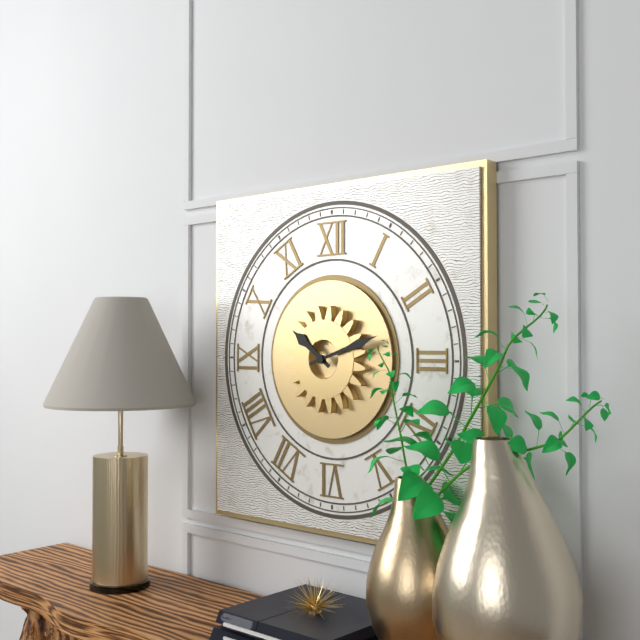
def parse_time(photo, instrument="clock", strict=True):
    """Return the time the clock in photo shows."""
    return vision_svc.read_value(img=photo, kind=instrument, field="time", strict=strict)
10:12
